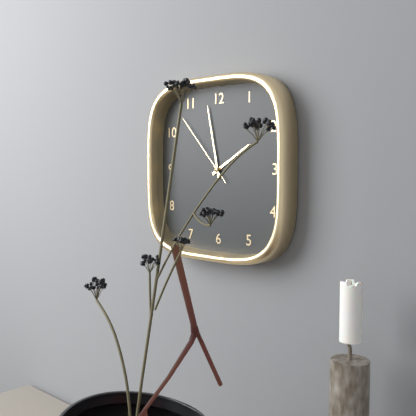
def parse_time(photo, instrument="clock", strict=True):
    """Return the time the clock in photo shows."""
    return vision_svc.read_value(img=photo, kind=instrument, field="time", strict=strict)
1:58:53
